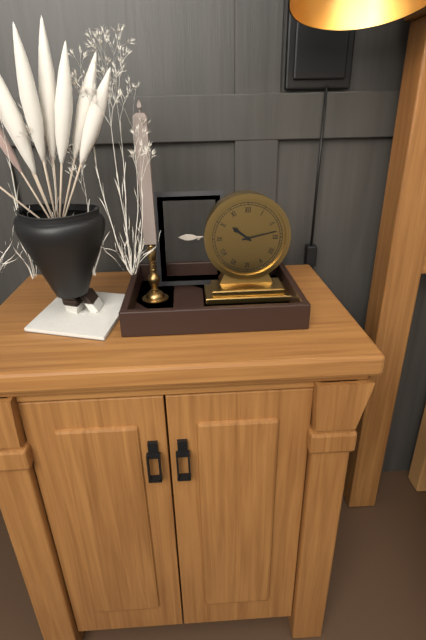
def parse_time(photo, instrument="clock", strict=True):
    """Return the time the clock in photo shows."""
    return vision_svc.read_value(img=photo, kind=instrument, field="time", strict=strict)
10:13
